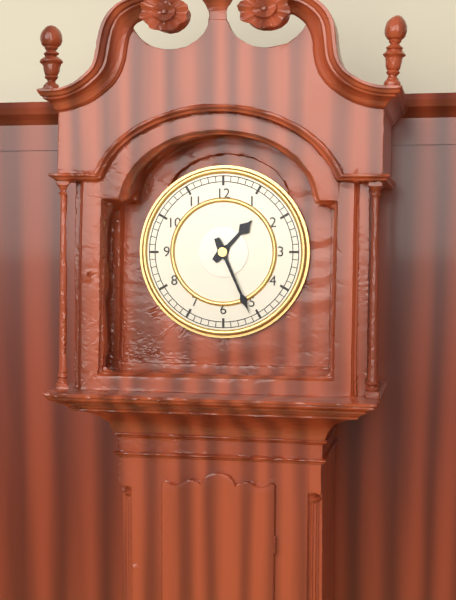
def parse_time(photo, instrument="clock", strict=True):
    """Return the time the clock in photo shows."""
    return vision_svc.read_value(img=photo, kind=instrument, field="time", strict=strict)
1:26
